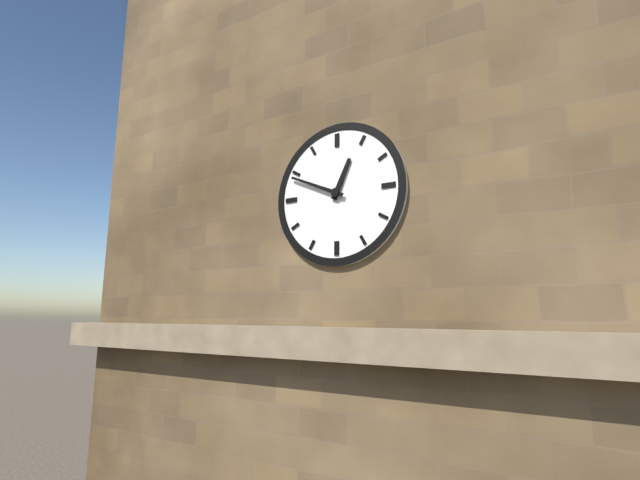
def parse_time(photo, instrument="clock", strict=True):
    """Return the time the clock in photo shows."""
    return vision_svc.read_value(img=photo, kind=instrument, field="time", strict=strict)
12:49
